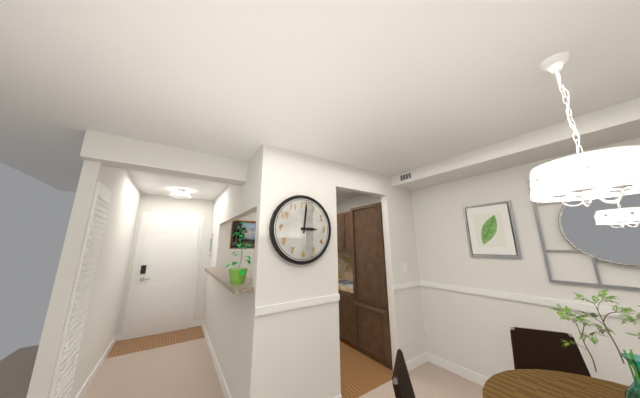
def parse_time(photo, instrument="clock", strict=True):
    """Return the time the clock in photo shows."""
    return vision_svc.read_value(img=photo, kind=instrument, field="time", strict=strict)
3:01
